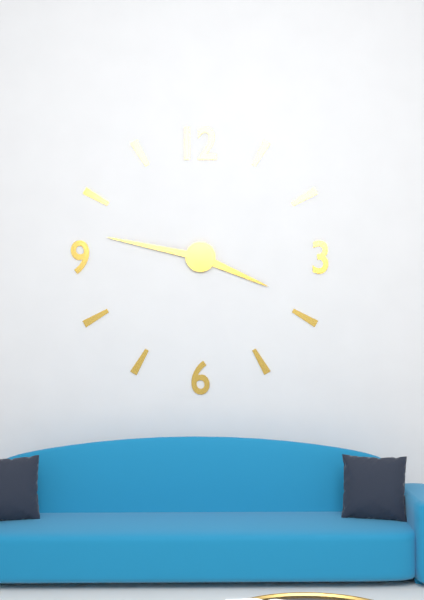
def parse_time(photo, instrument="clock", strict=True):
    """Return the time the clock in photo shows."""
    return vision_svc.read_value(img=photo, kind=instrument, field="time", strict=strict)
3:47
